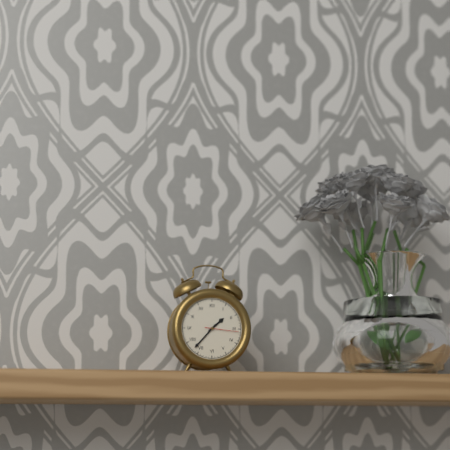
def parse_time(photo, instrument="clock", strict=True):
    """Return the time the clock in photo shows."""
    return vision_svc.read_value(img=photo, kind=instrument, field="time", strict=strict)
1:37
